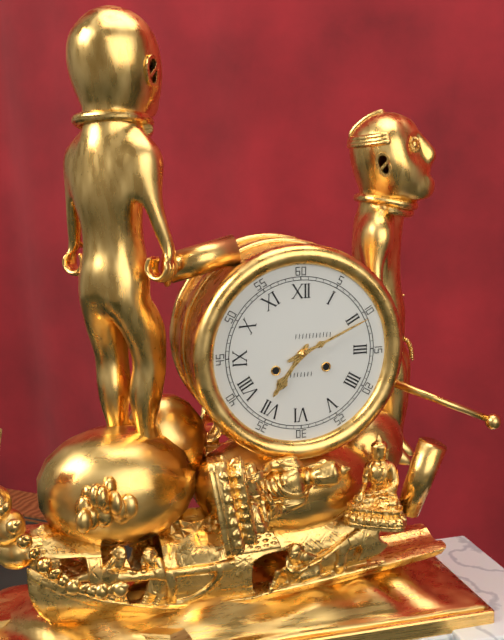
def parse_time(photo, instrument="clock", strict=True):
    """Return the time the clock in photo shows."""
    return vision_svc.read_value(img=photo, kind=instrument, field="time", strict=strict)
7:11
